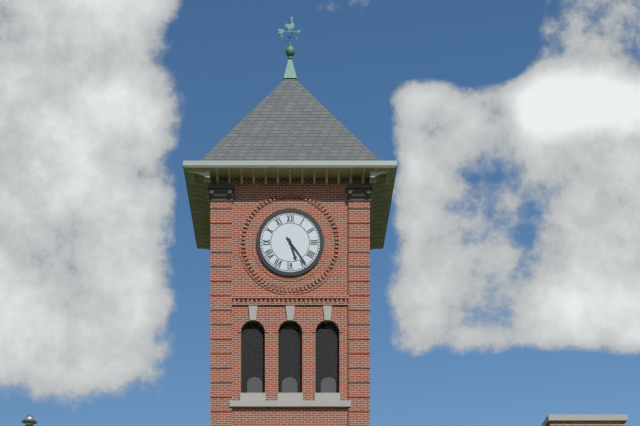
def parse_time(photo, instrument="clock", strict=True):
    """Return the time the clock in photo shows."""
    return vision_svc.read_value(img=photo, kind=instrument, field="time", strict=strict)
5:24
